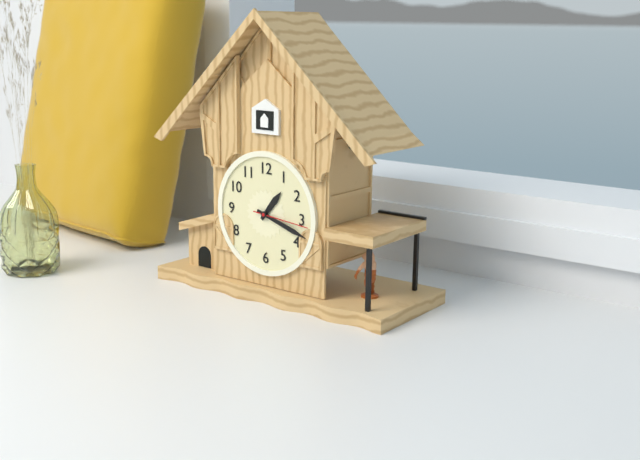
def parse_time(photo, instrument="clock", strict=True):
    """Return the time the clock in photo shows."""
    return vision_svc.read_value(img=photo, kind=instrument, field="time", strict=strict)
1:18:16
